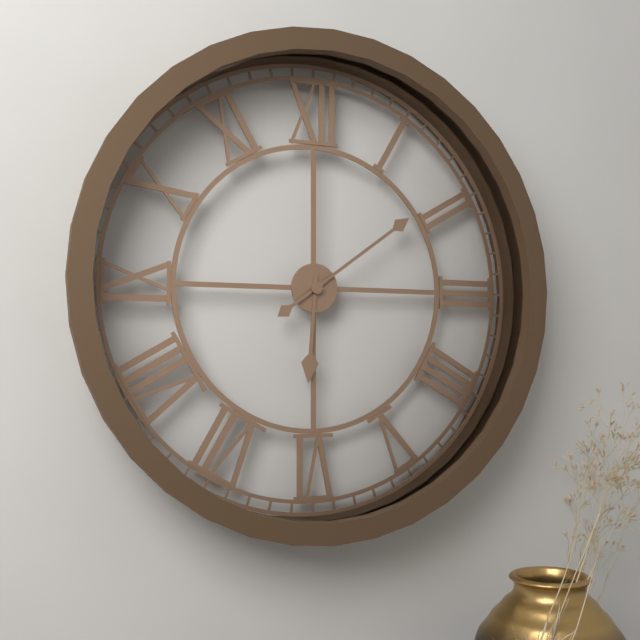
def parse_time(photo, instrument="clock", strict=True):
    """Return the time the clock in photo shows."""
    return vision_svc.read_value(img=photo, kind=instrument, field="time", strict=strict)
6:09
